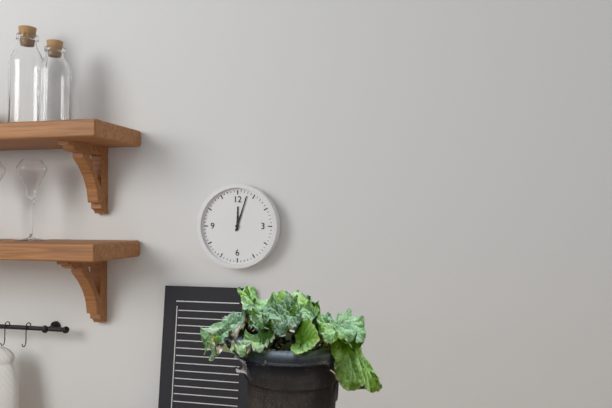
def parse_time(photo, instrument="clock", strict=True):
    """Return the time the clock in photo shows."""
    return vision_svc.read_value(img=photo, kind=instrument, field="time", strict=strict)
12:03
